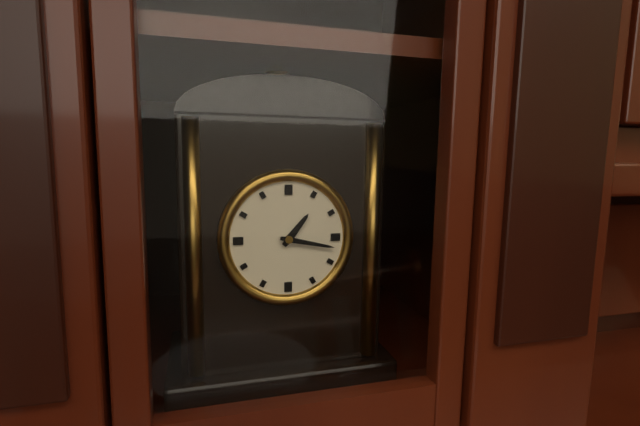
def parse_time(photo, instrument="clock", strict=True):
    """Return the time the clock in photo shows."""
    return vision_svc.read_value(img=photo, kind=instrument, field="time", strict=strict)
1:17
